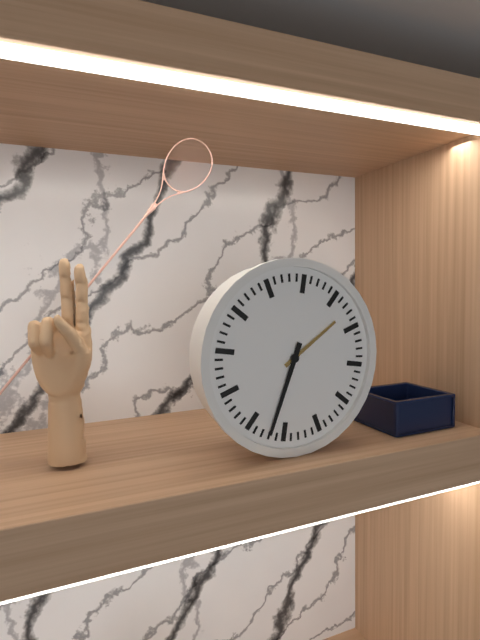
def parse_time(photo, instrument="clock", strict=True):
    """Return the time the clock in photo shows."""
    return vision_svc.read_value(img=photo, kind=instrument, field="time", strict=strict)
1:32
